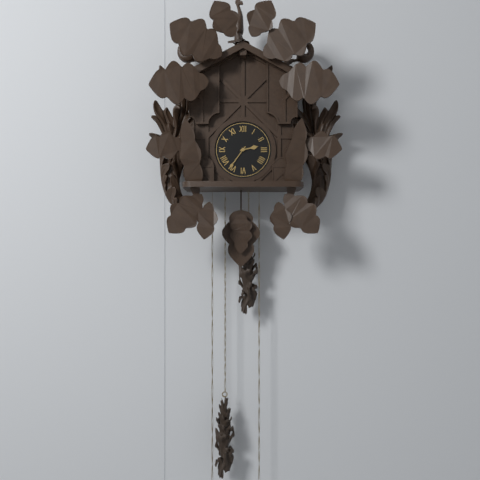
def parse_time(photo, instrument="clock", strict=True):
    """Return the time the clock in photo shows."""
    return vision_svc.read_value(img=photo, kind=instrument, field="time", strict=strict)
2:36
